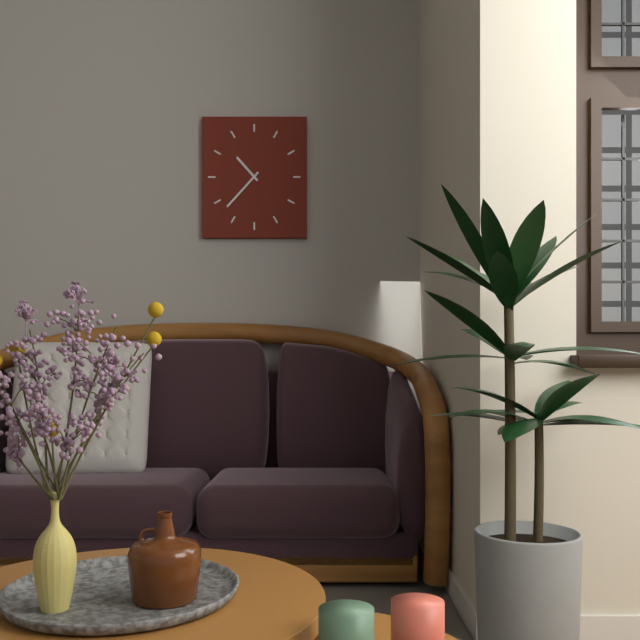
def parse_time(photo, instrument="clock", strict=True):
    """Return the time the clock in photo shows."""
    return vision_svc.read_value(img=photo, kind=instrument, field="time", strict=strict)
10:37
